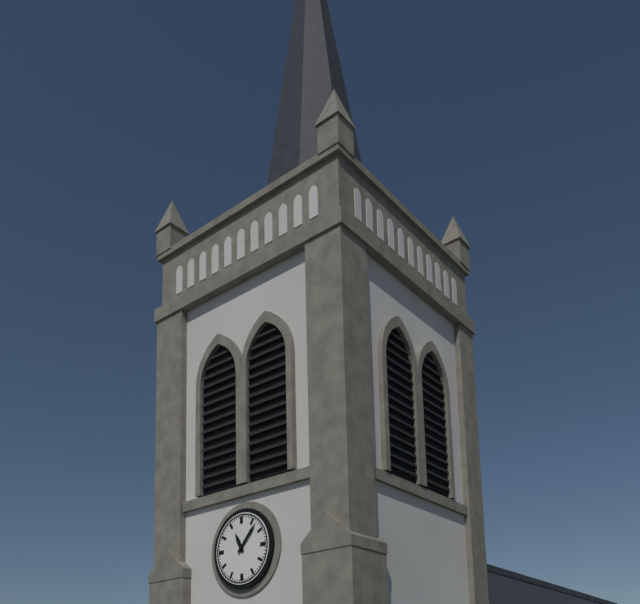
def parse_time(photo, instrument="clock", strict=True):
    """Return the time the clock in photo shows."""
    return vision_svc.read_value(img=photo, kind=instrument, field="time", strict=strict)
11:07
